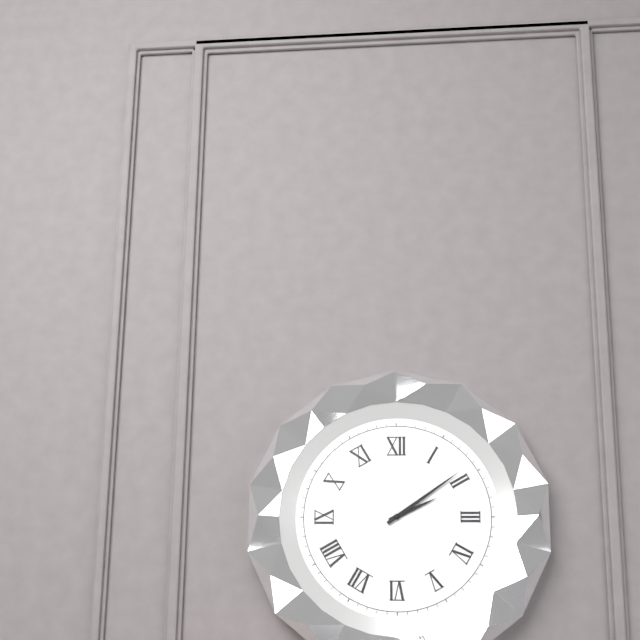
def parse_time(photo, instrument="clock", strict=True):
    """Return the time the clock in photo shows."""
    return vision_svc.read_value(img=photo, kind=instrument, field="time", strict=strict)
2:09
